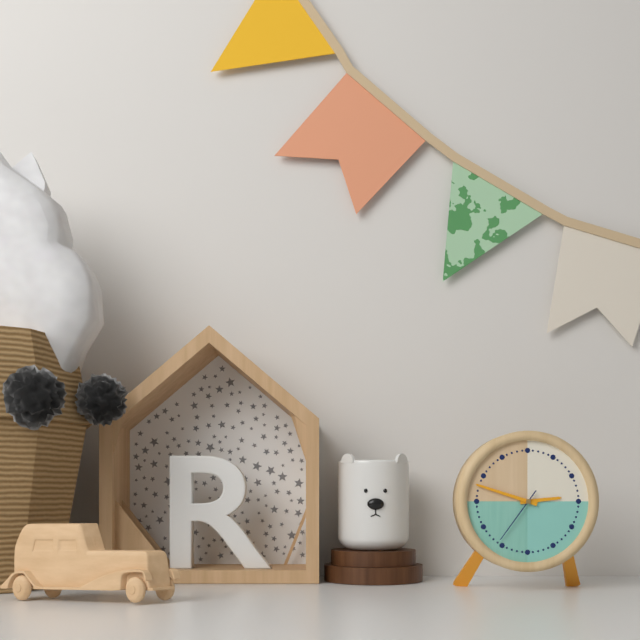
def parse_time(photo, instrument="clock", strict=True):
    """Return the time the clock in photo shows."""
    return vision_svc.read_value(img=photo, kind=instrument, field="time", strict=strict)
2:48:36
